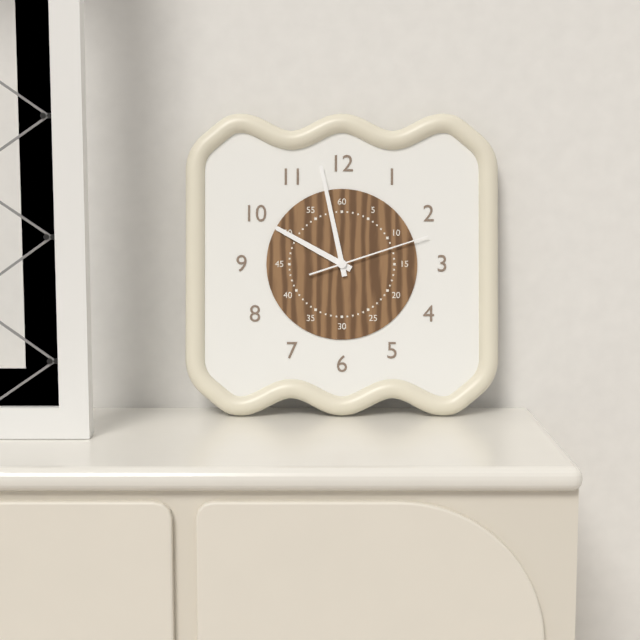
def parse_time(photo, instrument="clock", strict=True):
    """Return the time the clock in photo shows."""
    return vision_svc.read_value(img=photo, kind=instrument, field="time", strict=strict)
9:58:12
